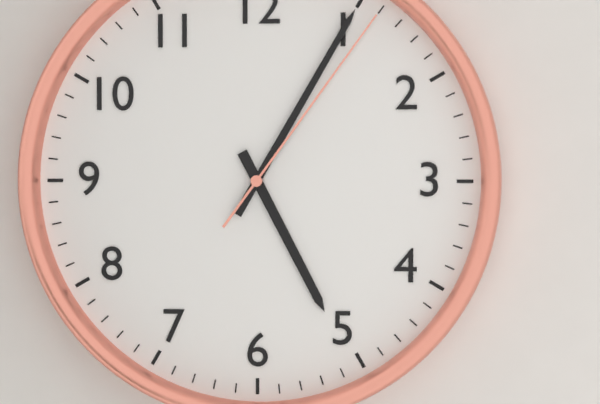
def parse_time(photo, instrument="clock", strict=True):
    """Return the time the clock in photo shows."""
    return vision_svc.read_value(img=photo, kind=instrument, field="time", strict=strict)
5:05:06
